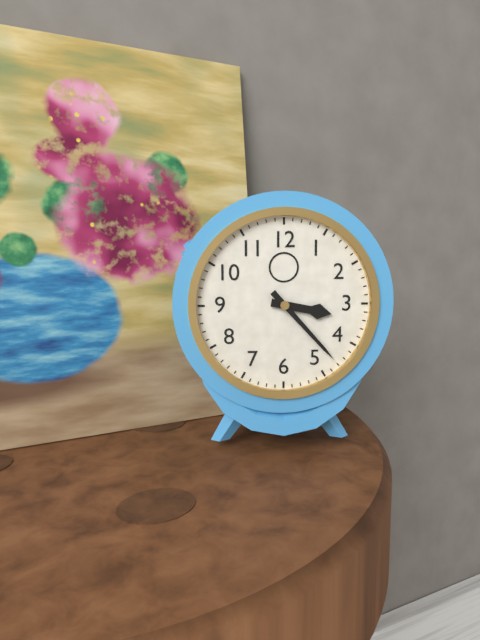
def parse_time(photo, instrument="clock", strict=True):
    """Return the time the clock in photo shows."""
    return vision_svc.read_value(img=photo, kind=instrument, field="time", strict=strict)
3:23
